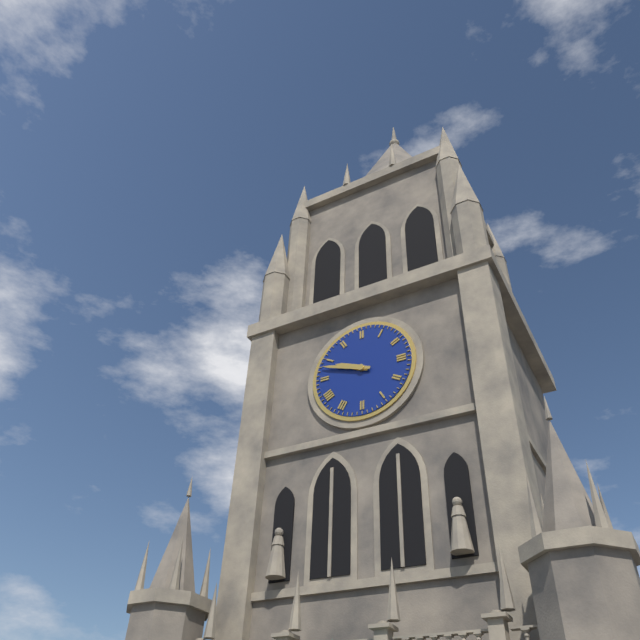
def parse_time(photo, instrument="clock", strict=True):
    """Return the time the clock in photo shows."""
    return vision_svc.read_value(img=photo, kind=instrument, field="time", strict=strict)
9:48
